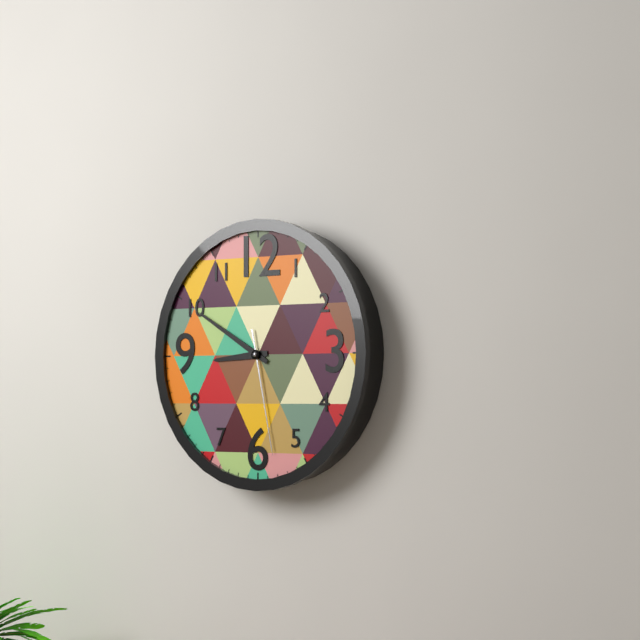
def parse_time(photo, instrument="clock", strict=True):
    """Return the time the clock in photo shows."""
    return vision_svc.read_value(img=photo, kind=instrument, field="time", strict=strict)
8:50:28
